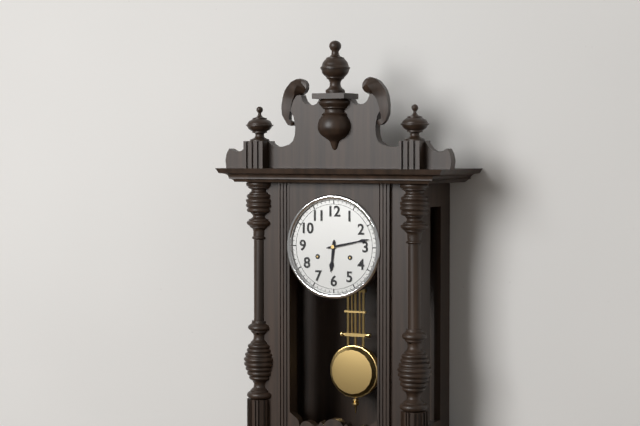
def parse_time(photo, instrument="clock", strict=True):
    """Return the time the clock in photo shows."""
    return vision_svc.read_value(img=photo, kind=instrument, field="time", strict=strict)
6:13
